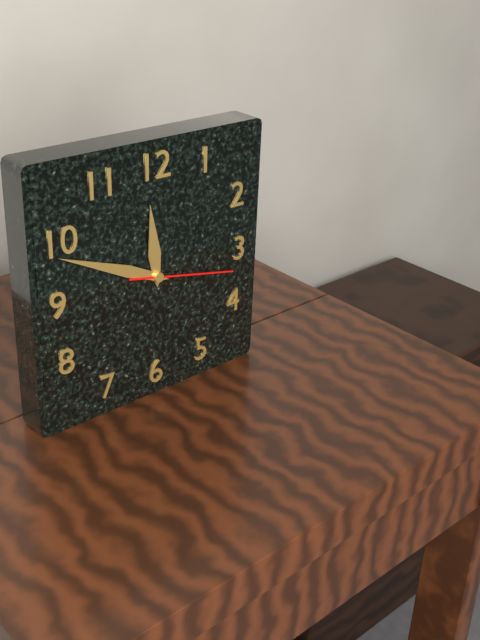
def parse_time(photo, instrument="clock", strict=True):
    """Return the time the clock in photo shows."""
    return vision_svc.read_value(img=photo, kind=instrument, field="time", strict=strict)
11:49:17
